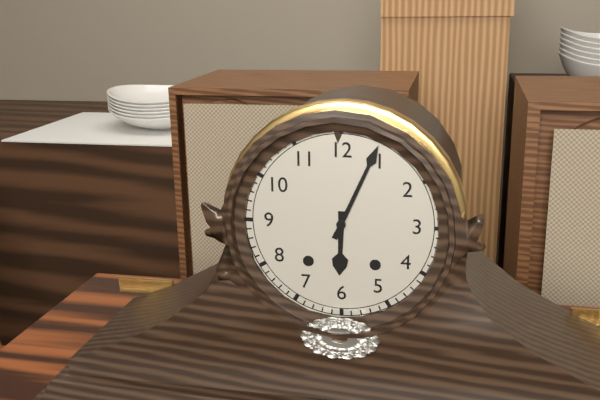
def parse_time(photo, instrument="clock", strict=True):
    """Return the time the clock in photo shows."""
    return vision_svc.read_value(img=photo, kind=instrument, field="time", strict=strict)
6:04
